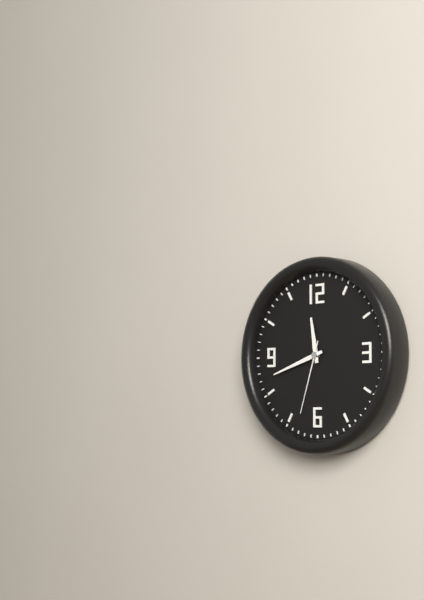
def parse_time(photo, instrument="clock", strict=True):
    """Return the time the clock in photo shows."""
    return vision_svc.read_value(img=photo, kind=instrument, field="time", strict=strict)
11:42:33
